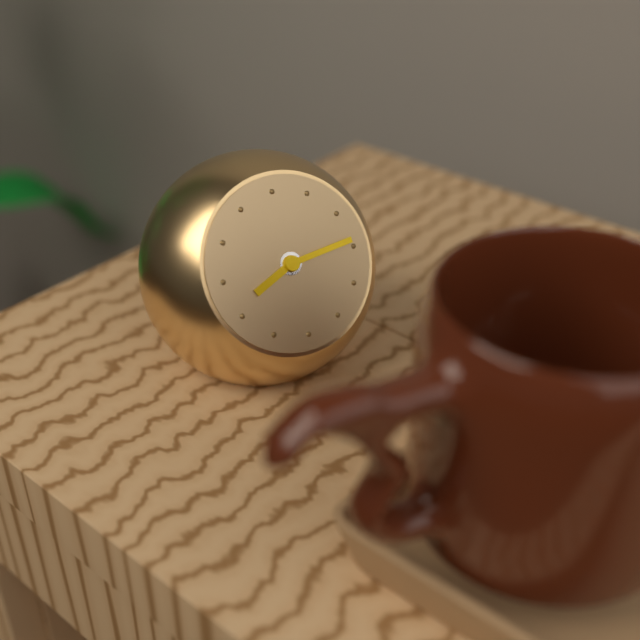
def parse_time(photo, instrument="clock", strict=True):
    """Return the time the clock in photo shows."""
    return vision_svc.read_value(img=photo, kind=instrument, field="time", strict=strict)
8:14
